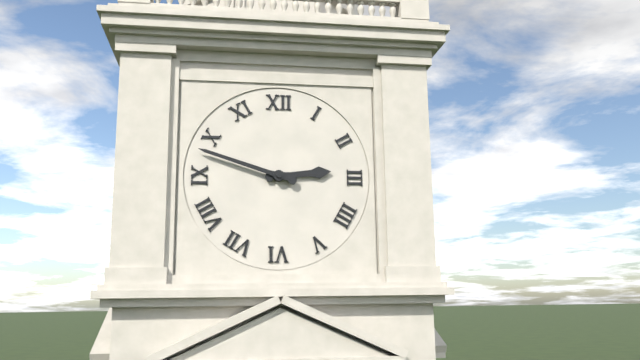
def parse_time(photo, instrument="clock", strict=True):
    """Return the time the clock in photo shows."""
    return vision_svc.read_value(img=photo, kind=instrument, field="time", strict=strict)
2:48
